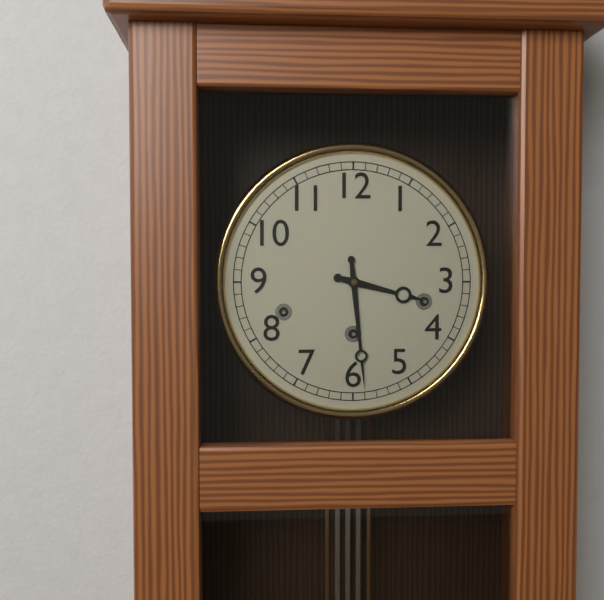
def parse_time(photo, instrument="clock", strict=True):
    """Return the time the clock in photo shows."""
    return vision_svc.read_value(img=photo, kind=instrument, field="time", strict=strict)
3:29
